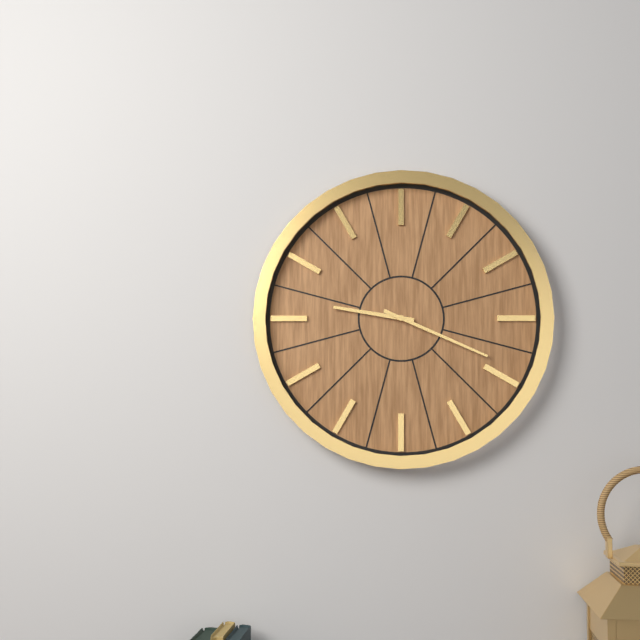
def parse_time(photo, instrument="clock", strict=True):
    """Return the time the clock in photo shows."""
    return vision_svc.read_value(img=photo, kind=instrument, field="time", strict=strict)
9:19
